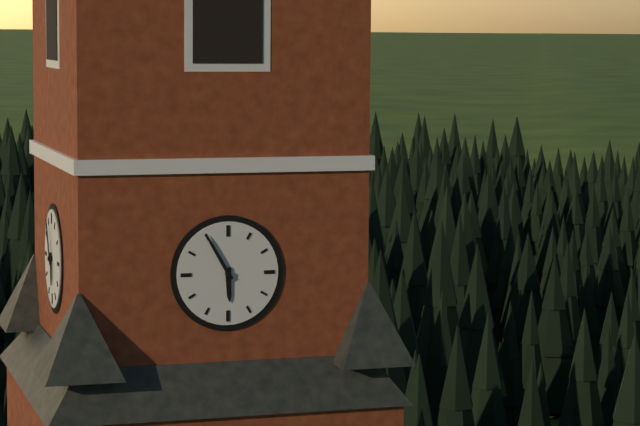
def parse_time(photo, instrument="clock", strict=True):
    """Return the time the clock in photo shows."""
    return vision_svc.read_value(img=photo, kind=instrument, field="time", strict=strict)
5:55
